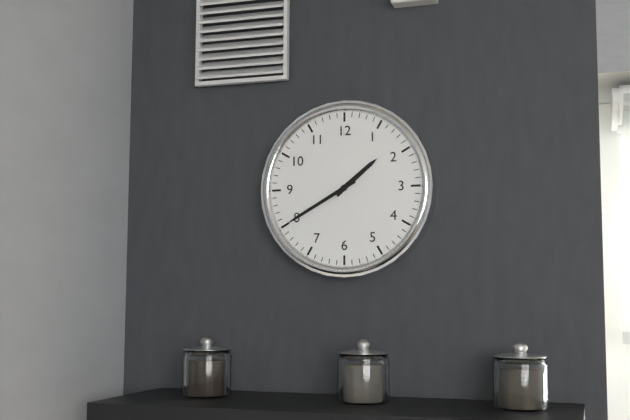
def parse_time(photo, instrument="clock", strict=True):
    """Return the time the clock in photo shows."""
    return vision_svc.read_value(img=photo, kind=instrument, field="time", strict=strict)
1:40
